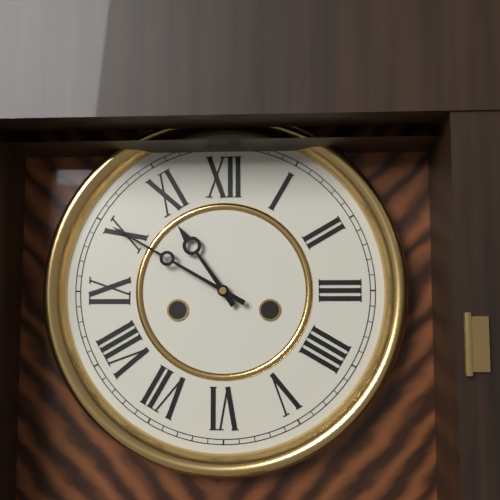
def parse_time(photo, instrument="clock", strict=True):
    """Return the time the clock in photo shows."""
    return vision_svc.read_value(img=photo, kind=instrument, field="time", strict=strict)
10:50
